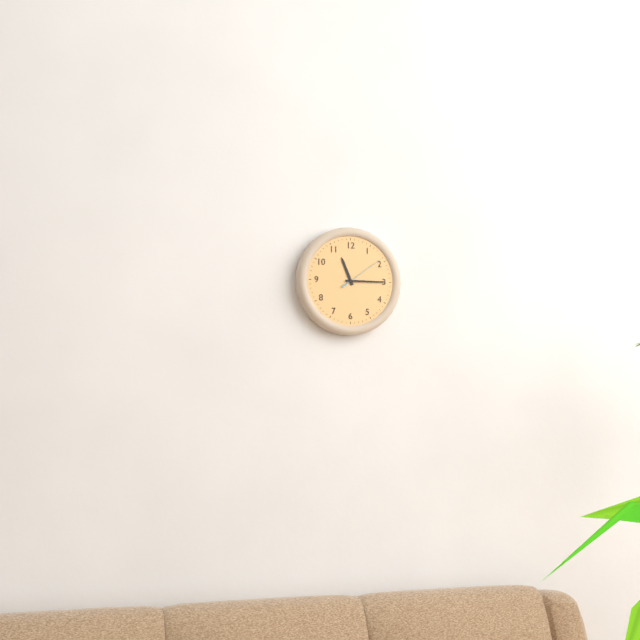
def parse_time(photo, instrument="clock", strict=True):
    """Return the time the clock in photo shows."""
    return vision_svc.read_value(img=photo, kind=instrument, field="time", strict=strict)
11:15:09
